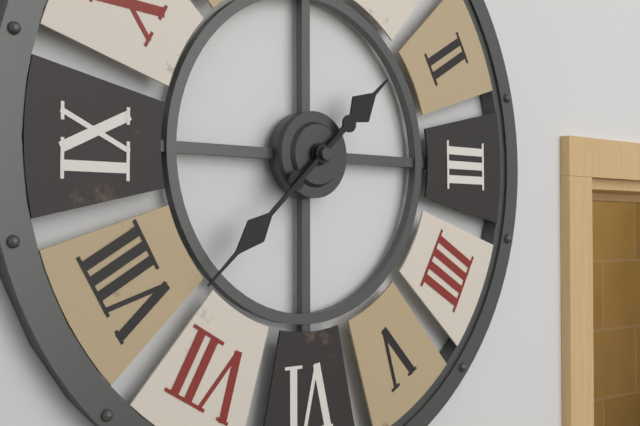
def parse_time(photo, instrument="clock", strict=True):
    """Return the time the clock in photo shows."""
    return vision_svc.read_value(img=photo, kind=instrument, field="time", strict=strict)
1:38
